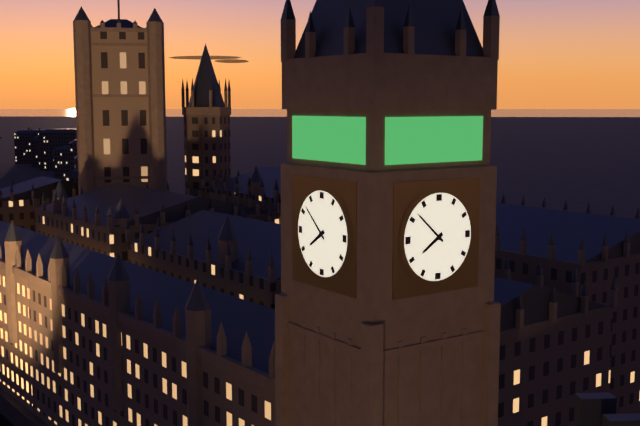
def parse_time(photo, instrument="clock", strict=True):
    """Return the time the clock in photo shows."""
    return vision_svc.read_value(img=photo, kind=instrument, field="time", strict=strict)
7:52
